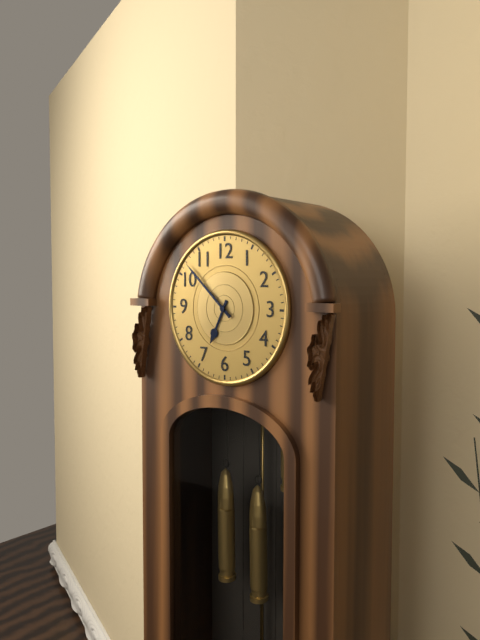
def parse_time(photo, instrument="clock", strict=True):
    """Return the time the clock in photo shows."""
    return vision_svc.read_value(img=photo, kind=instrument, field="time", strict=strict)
6:52
